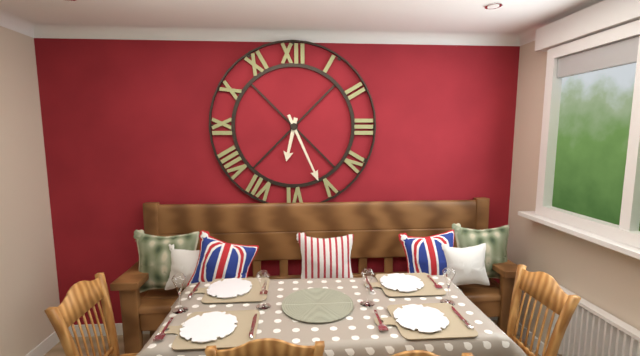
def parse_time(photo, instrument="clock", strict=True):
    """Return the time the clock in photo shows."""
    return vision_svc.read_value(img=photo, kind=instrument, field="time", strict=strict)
6:26
